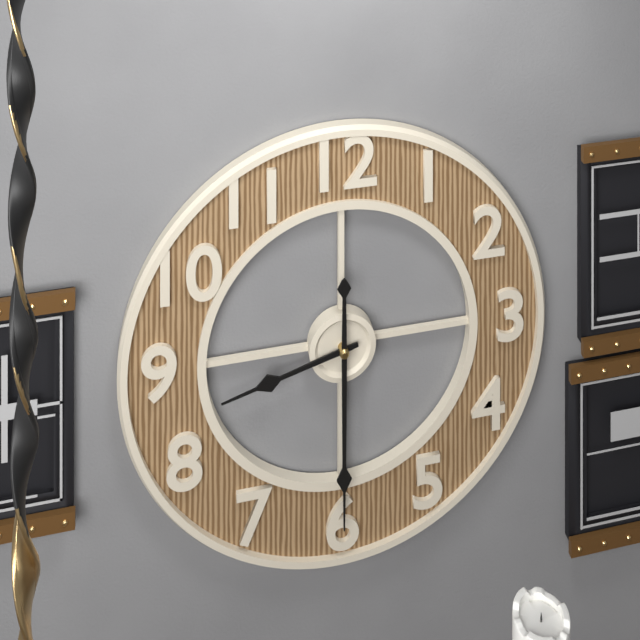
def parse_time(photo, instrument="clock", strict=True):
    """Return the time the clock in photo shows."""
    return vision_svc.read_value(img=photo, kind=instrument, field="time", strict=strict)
8:30
